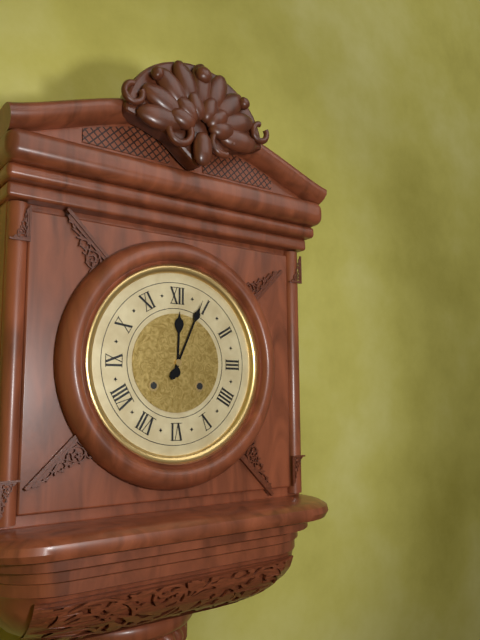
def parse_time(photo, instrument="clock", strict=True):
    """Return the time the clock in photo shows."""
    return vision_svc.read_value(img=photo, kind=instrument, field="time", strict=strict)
12:04
